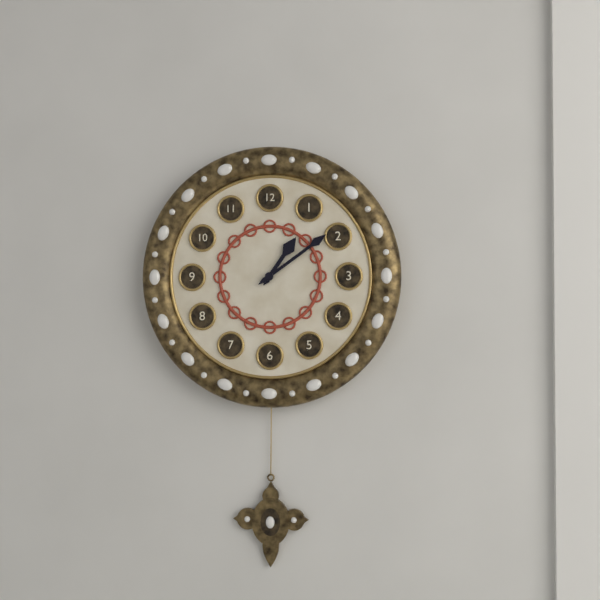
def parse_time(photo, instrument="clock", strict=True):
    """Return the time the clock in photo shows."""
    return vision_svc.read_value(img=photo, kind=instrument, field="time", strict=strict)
1:09
